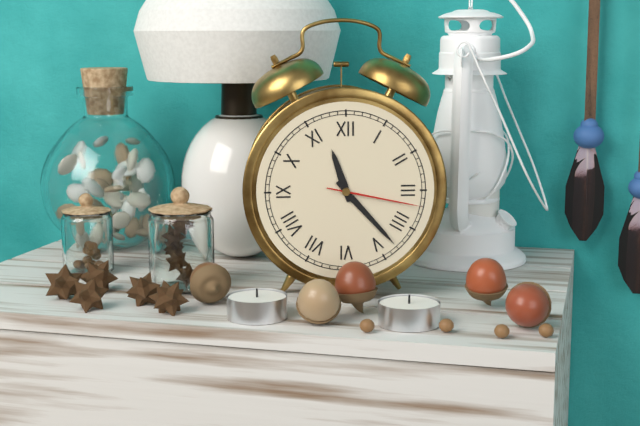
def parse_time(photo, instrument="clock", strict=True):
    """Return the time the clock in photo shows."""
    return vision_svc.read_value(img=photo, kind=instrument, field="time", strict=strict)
11:23:17
